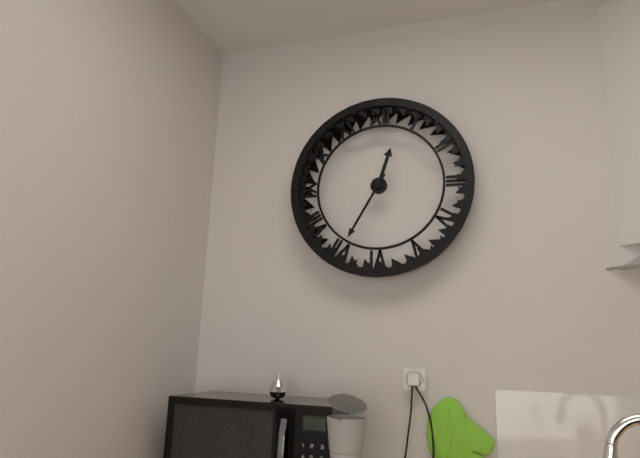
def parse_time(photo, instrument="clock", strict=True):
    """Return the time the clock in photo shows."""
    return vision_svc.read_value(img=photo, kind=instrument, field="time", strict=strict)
12:35
